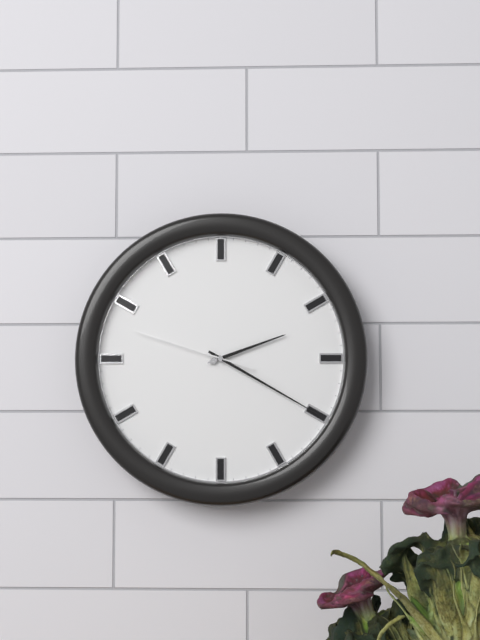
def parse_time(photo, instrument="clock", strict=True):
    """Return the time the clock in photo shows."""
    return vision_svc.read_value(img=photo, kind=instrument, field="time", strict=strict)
2:20:48
